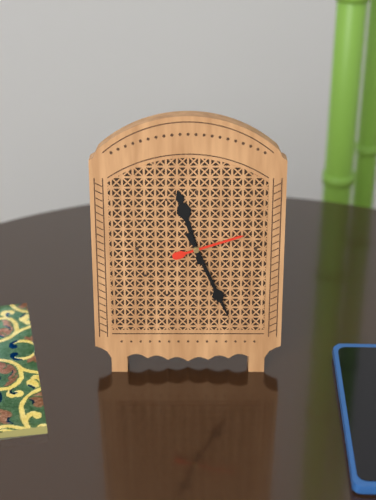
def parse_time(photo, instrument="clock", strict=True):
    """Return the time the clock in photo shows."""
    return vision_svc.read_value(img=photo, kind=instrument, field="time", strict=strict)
11:26:12
